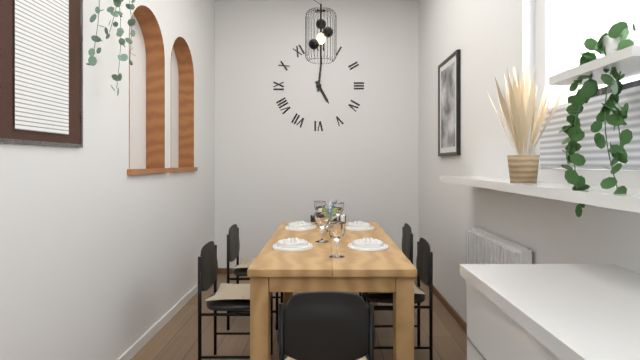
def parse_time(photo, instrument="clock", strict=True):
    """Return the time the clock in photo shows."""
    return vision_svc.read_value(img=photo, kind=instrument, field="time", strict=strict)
5:01
